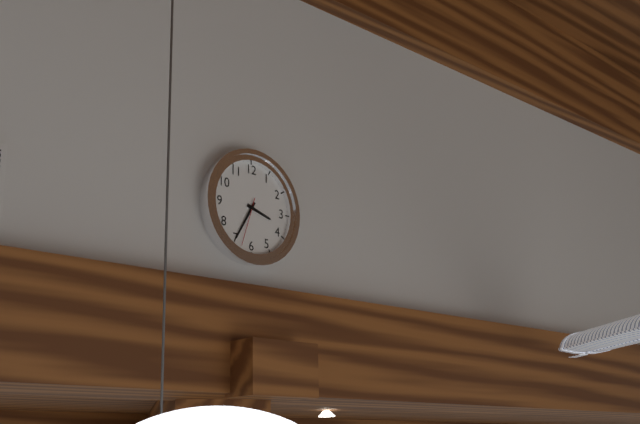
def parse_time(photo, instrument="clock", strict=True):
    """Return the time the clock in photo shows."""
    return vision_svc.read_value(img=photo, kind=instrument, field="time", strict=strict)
3:35
